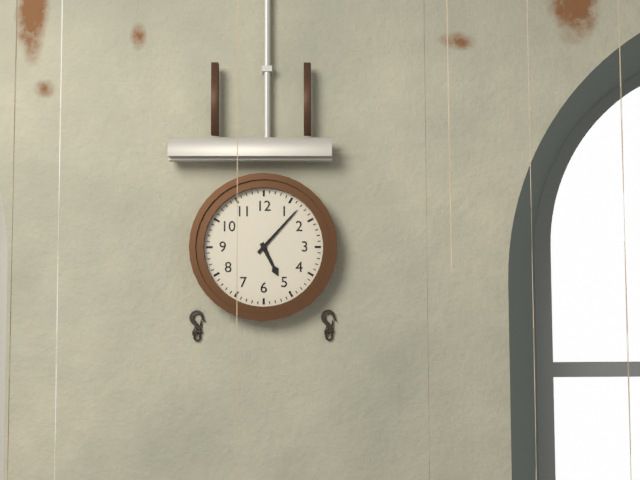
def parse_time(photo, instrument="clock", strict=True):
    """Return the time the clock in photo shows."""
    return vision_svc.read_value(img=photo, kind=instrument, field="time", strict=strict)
5:07
